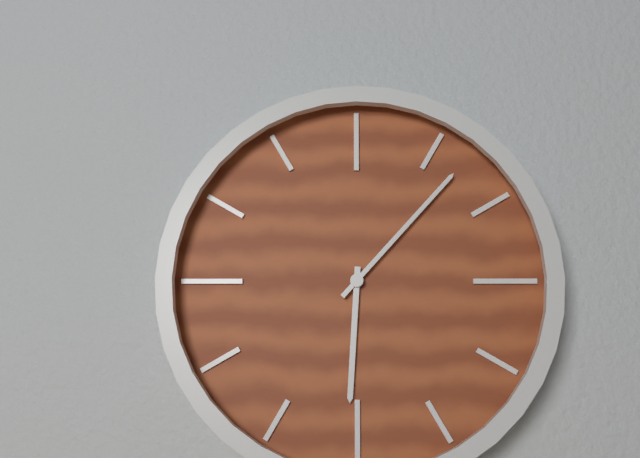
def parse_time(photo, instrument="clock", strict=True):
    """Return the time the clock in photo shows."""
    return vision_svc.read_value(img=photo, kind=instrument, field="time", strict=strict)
6:07
